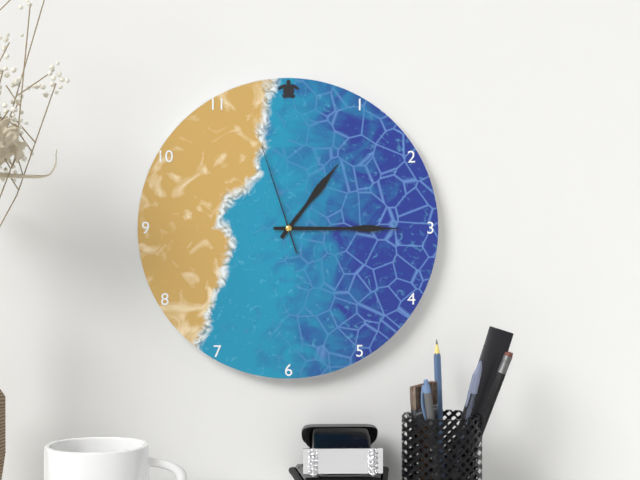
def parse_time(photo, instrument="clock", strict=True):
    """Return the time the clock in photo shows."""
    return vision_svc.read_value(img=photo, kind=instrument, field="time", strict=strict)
1:15:57
